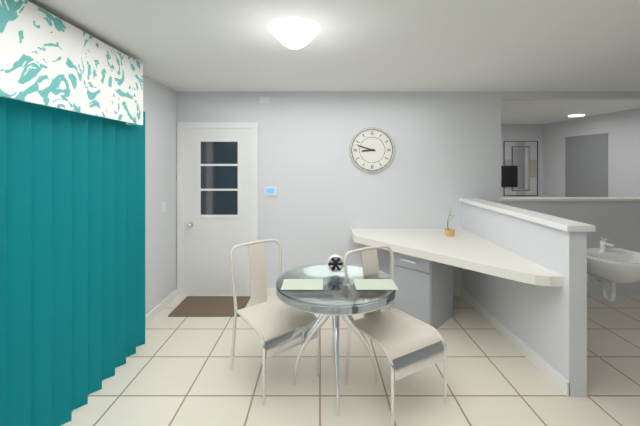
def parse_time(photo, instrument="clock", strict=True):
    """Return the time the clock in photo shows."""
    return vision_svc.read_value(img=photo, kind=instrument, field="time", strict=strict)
8:48
